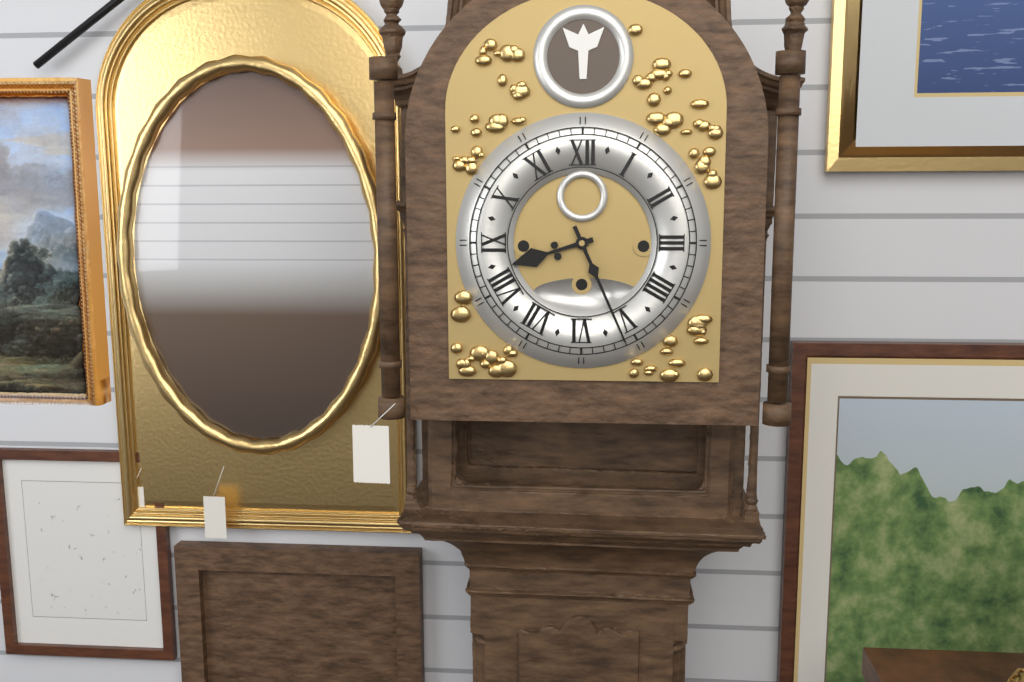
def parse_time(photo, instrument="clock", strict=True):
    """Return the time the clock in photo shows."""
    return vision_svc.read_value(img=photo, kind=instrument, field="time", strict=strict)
8:26
